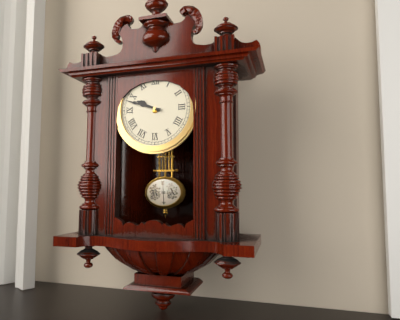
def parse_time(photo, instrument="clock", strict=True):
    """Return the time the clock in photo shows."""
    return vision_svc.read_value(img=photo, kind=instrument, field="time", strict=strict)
9:48
